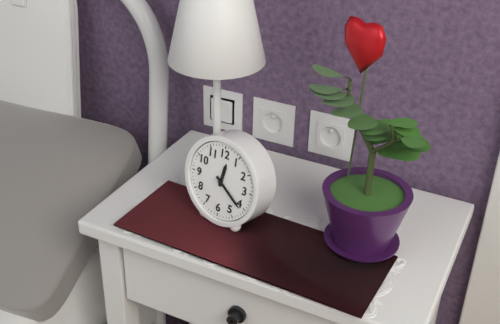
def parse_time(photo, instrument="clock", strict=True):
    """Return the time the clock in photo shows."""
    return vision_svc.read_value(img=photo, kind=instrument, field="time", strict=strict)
12:21
